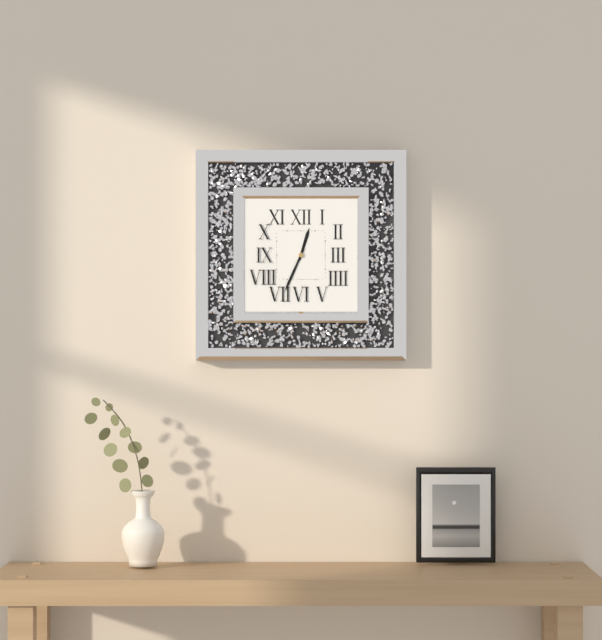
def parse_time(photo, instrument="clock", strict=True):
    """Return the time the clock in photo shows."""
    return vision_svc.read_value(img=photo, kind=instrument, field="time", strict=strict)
12:34
